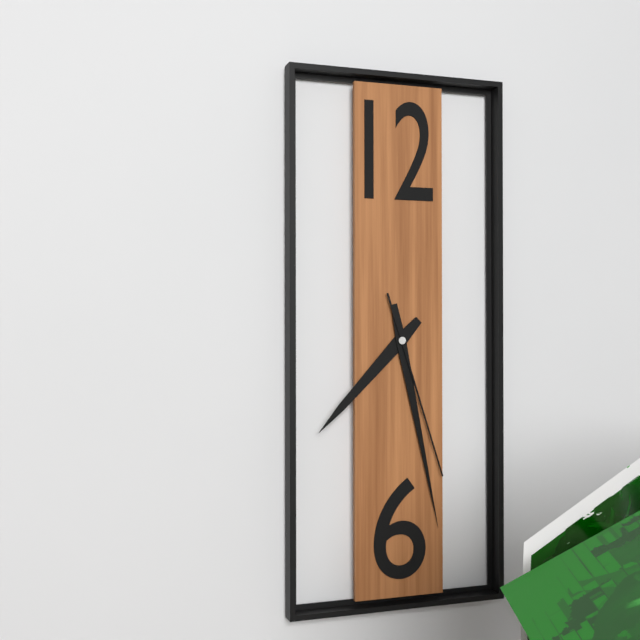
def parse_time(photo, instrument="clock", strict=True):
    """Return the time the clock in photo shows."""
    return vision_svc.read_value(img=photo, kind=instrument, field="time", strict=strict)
7:28:27
